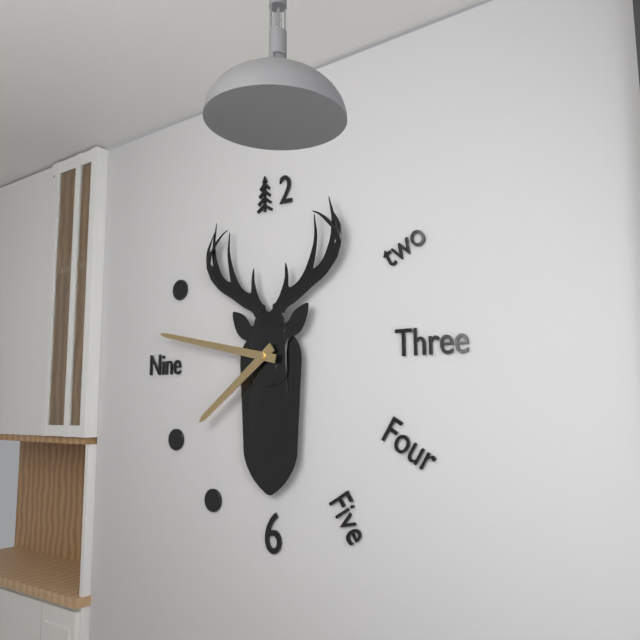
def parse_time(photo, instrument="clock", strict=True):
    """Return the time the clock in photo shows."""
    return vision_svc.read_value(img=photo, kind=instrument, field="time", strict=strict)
7:47
